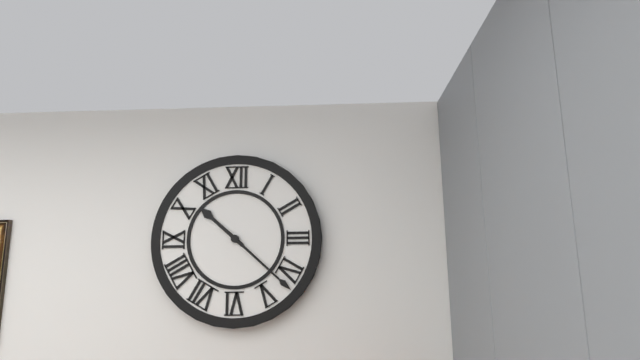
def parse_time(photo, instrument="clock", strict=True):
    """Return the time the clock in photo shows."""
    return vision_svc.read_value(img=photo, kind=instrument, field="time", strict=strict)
10:22
